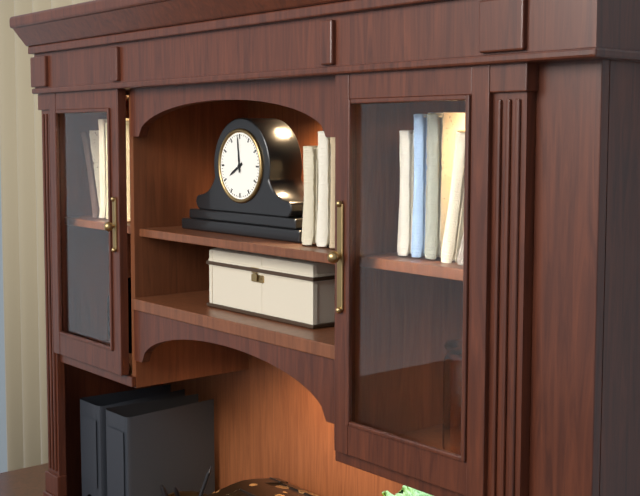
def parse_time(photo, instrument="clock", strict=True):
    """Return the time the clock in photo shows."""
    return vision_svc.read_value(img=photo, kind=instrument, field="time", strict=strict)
7:59
